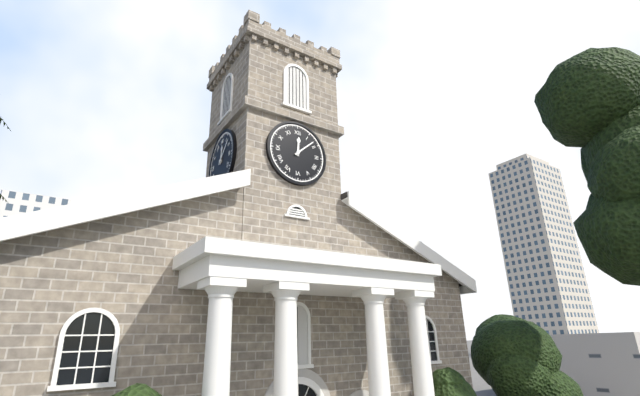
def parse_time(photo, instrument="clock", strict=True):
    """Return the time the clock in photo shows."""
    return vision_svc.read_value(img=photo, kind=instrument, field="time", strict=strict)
12:08
